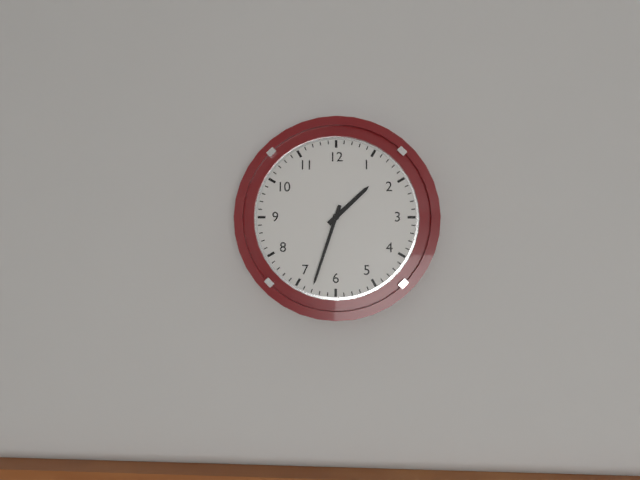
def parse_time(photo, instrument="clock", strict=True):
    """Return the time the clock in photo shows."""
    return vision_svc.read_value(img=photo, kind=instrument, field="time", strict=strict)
1:33
